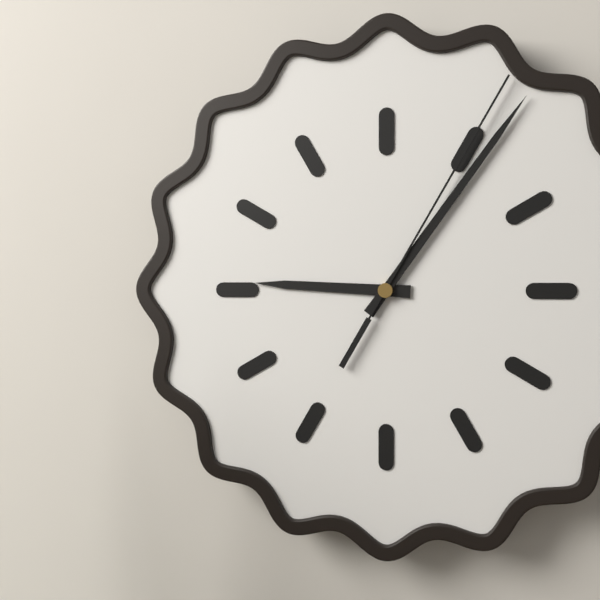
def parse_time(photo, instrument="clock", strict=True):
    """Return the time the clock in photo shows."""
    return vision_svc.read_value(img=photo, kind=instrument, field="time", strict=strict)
9:06:05
